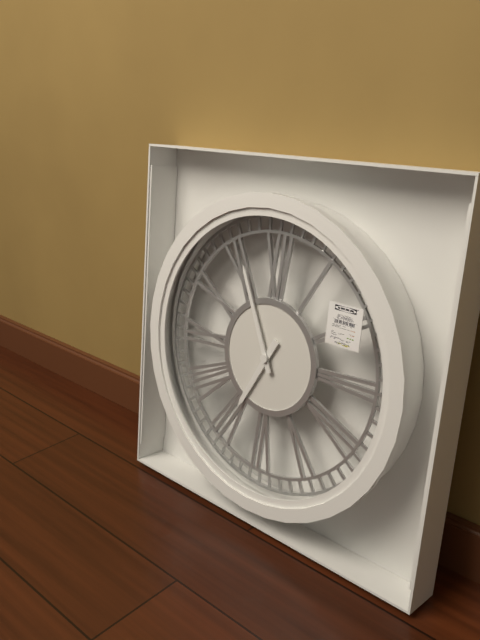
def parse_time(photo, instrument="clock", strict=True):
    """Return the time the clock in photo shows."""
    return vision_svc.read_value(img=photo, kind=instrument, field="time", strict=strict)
6:56
